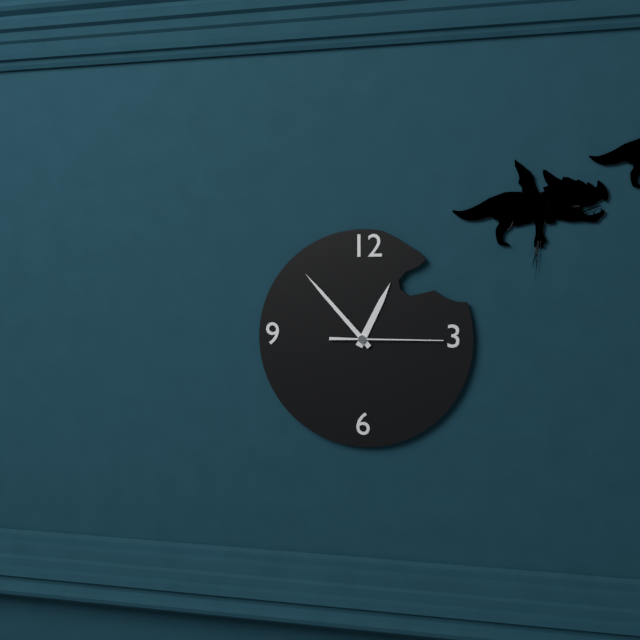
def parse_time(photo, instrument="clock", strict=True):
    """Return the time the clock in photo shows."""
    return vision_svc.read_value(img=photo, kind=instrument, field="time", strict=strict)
12:53:15
